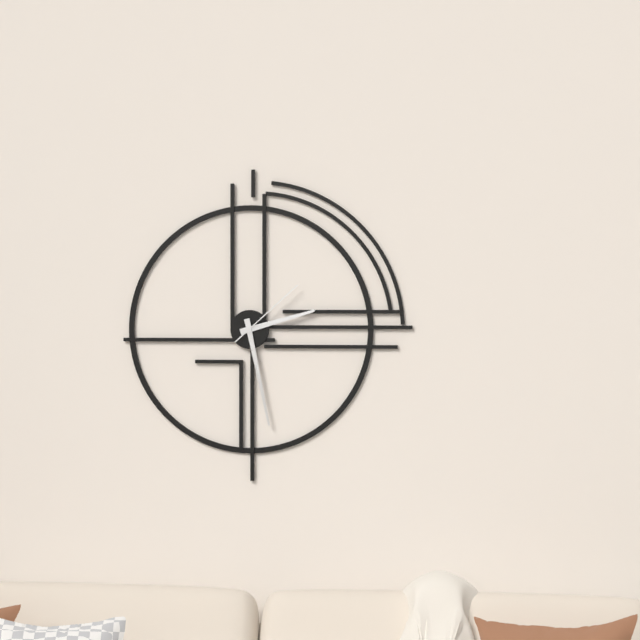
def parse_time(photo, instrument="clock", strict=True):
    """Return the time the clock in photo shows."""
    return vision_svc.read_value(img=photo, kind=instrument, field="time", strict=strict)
2:28:08
